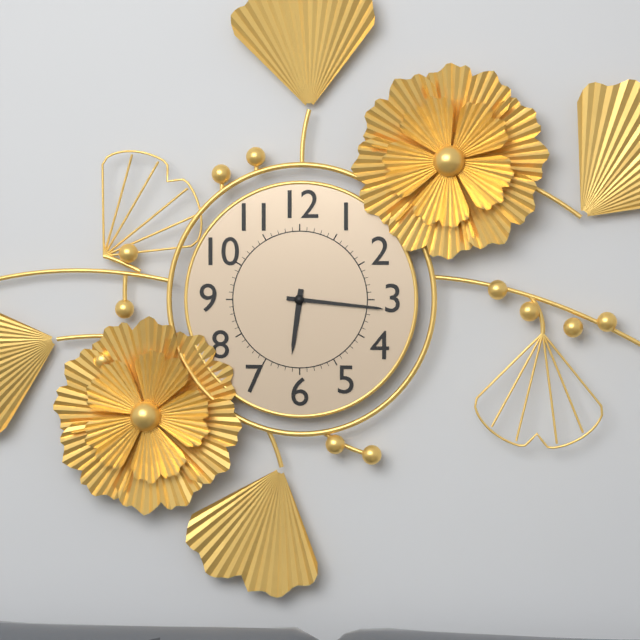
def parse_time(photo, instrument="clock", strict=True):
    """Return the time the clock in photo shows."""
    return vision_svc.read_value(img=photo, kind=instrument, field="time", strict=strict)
6:16
